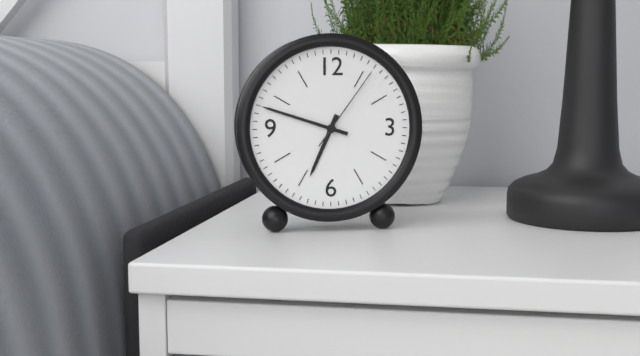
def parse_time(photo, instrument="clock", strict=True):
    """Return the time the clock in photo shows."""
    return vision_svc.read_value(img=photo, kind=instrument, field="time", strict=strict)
6:48:06
